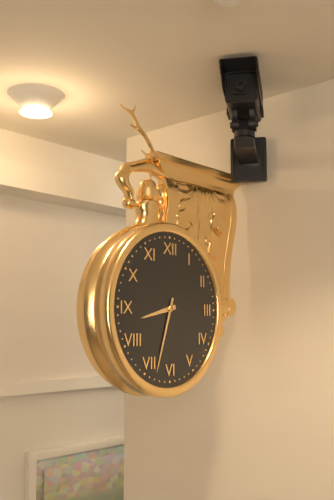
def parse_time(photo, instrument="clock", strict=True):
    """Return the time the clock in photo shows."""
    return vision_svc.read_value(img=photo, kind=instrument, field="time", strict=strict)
8:33
